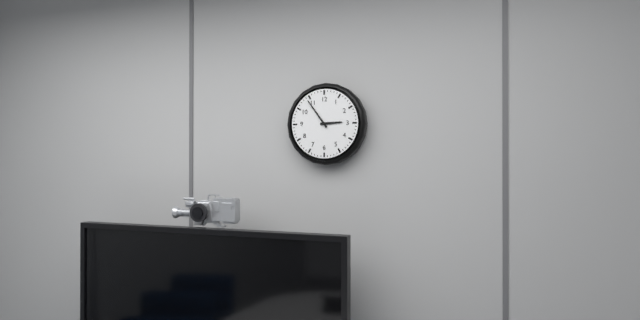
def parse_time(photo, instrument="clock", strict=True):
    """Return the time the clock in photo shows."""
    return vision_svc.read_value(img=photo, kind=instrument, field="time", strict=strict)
2:54
